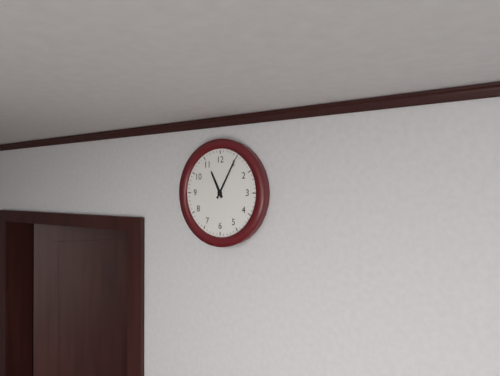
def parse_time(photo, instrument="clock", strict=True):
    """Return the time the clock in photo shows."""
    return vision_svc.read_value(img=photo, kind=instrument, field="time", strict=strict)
11:05
